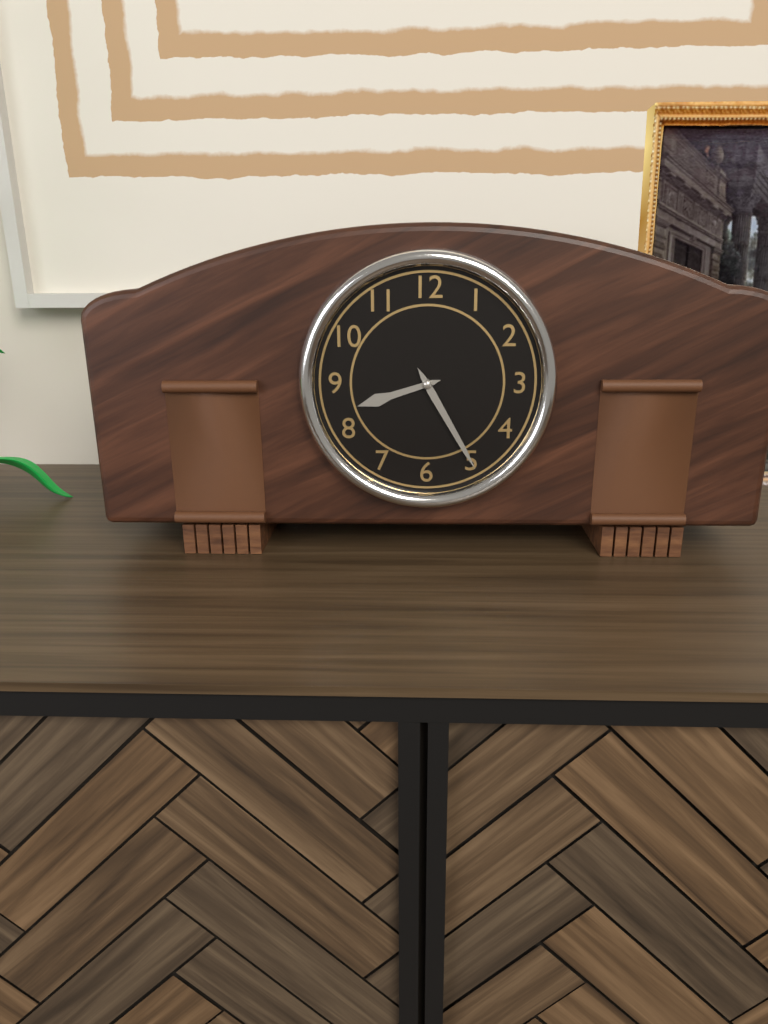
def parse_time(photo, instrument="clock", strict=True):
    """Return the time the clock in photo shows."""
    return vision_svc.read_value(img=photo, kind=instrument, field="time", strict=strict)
8:25
